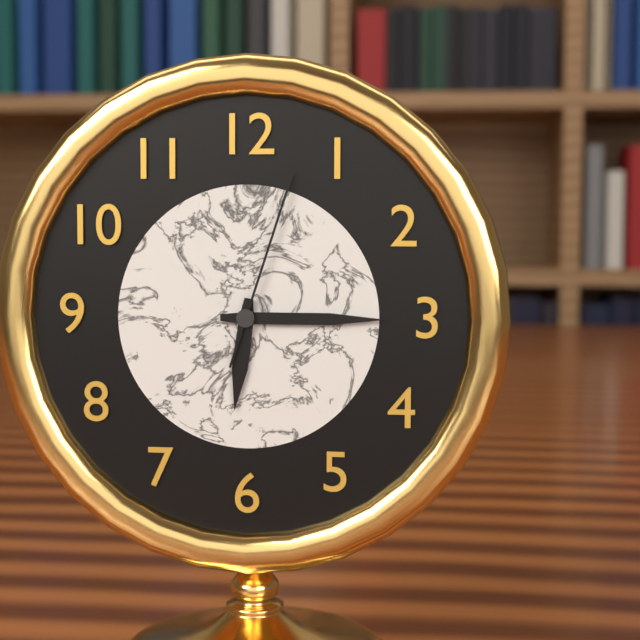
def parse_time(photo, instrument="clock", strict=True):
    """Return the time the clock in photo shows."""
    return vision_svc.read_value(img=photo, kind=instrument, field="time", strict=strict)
6:15:03
